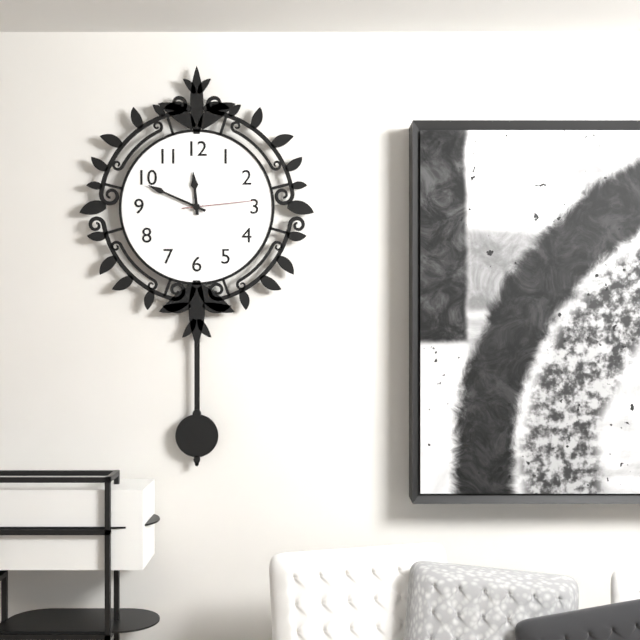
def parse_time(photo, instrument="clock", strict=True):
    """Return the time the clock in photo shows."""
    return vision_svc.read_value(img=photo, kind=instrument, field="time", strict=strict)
11:49:14
